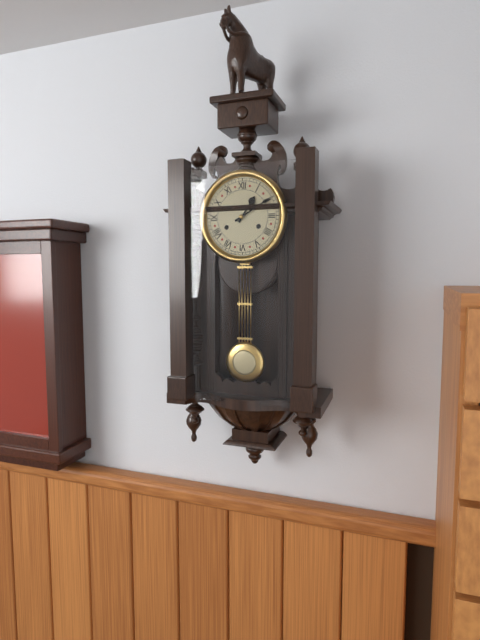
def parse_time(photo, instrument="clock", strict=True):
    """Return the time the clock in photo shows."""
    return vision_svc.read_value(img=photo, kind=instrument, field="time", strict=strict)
1:10
